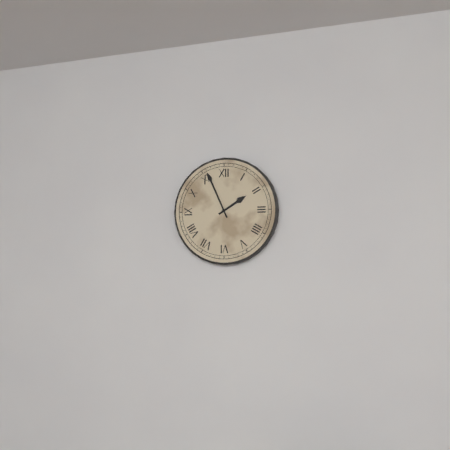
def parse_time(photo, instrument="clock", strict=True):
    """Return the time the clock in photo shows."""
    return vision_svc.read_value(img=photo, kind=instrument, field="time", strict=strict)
1:56
